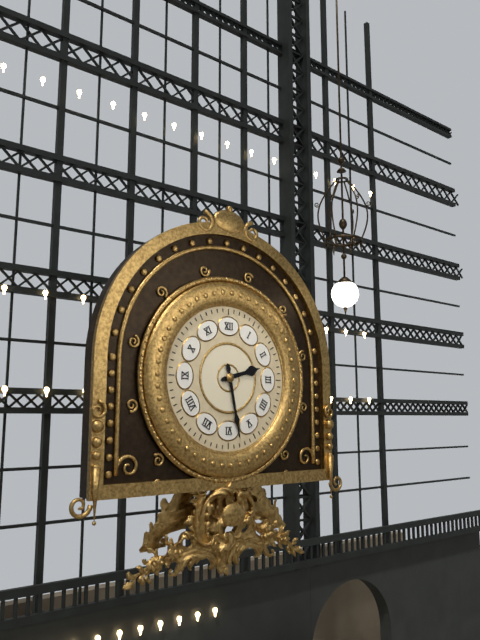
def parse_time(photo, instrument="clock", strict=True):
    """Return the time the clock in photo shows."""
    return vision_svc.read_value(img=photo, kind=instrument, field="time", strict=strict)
2:28
